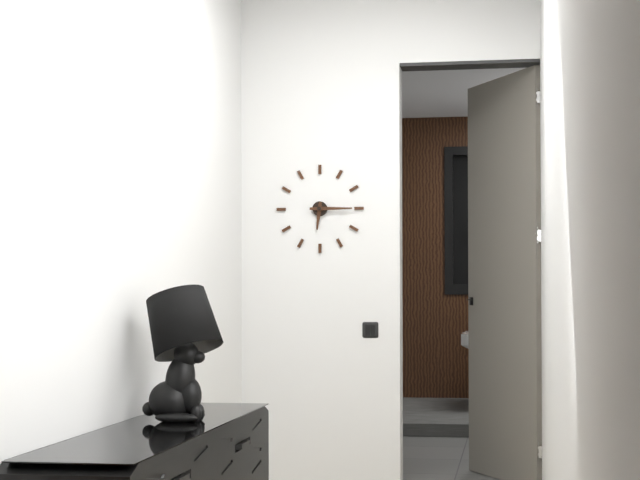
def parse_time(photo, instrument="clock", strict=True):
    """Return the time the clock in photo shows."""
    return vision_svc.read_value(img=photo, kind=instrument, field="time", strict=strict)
6:15
